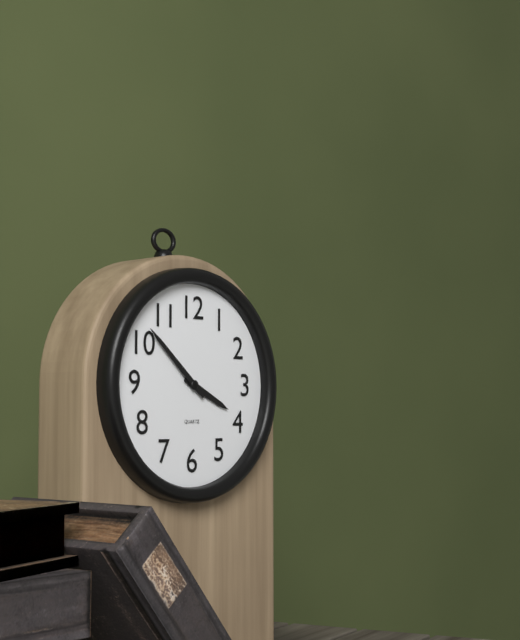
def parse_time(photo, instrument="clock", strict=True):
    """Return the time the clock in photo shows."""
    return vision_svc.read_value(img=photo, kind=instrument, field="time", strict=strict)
3:52
